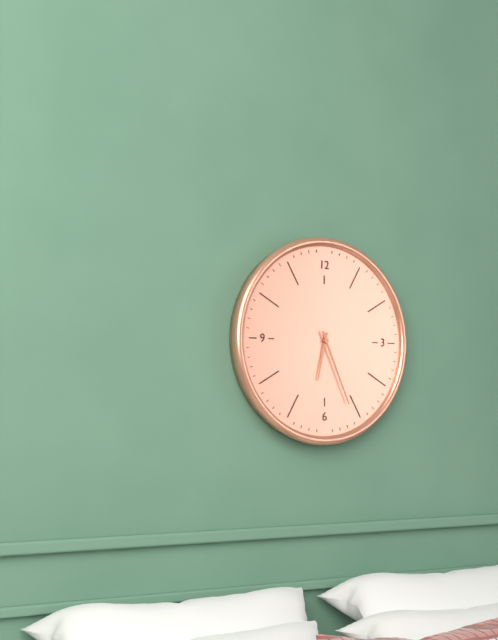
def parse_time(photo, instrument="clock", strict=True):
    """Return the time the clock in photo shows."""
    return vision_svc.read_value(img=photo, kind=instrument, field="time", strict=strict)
6:26
